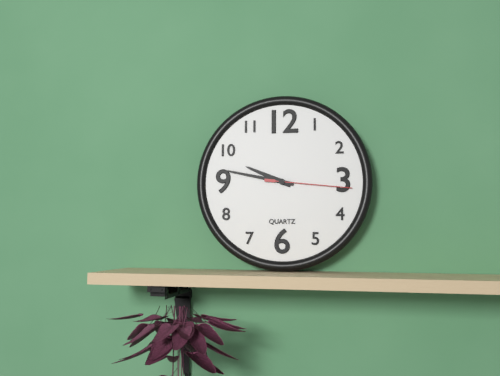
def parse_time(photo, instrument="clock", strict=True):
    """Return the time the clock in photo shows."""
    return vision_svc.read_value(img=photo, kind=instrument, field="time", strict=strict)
9:47:16
